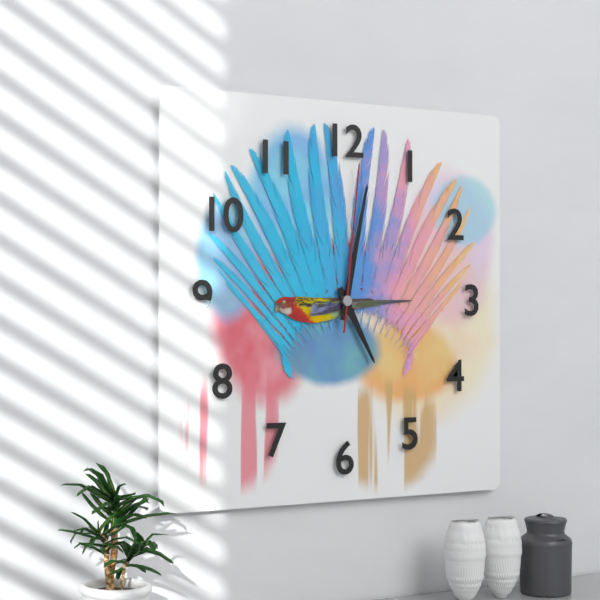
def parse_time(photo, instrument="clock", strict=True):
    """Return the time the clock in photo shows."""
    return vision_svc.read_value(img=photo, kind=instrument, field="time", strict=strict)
5:02:01
